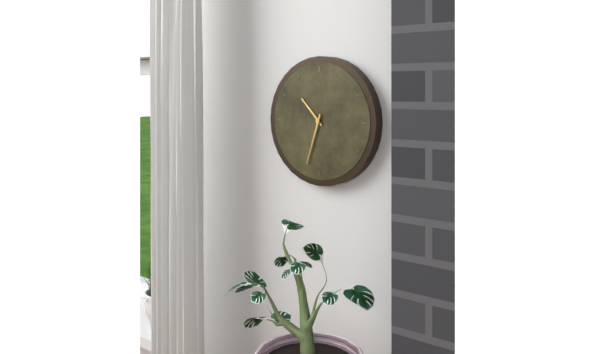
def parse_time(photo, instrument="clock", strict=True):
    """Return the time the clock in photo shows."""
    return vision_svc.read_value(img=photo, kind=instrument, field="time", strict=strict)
10:33
